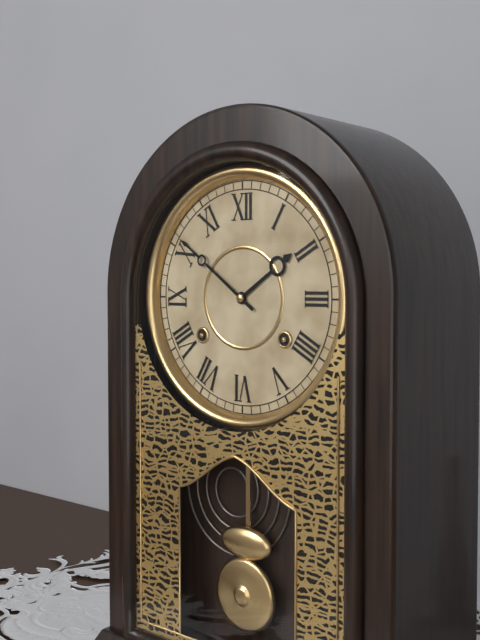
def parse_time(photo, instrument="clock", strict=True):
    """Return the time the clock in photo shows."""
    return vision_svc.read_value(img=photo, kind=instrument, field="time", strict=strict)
1:51
